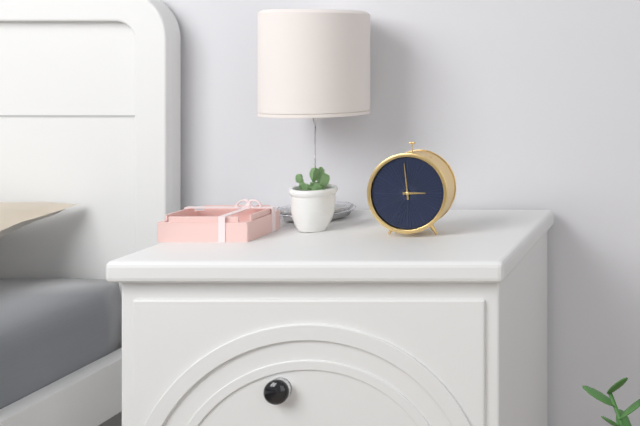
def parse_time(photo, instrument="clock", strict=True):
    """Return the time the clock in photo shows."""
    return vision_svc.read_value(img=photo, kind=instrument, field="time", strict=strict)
2:59
